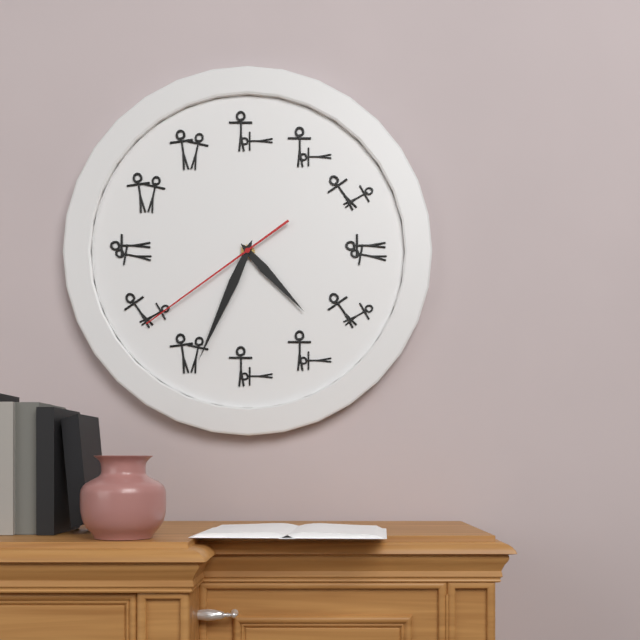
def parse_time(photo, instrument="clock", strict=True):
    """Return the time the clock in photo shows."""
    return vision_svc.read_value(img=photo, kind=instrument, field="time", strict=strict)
4:34:39
